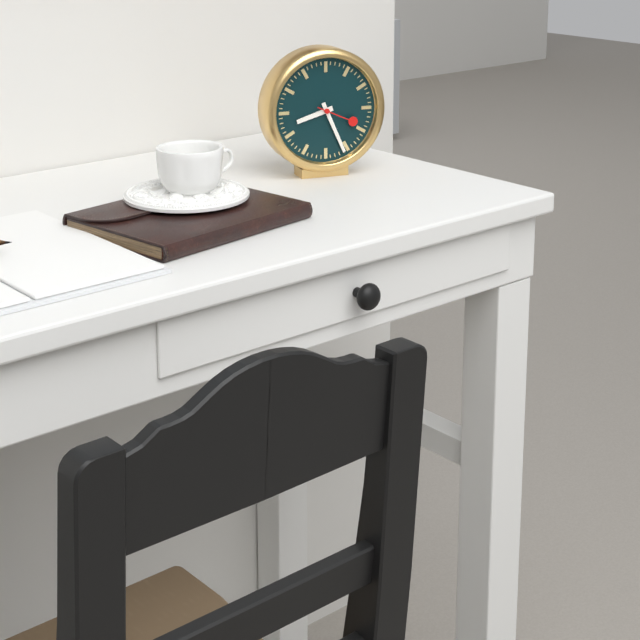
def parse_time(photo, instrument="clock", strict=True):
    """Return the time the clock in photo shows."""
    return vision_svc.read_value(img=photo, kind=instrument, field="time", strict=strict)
8:26
